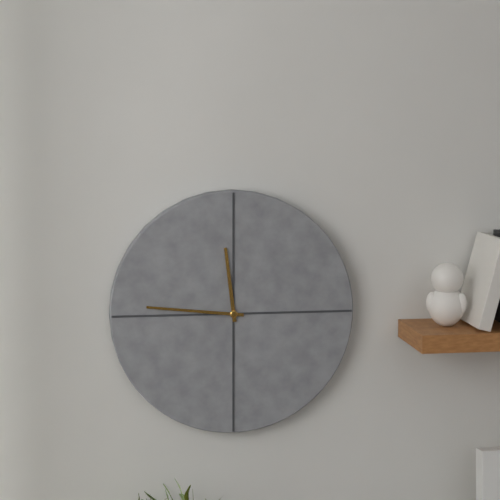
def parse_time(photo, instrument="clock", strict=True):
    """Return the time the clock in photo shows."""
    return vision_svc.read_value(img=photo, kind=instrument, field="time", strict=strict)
11:46
